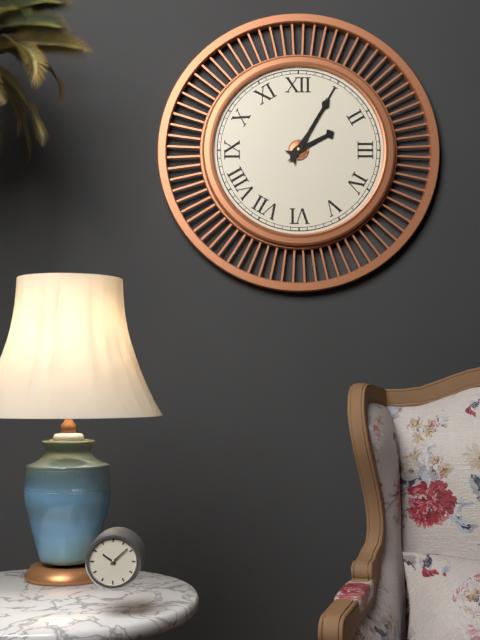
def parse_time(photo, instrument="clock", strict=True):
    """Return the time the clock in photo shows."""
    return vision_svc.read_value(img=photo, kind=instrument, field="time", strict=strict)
2:05
